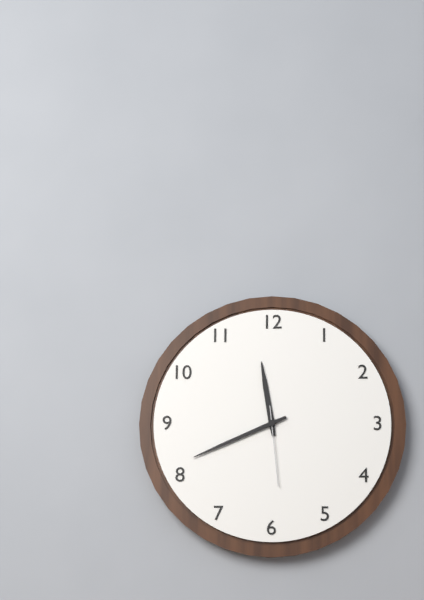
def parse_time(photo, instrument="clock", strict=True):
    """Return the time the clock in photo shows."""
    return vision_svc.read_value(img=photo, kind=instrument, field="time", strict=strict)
11:41:29
